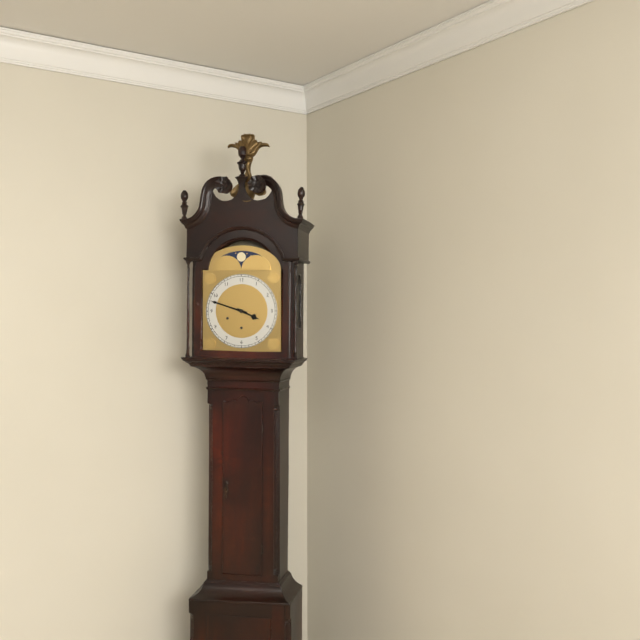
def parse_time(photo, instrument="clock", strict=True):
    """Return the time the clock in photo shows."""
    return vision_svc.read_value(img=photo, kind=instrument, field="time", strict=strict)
3:48
